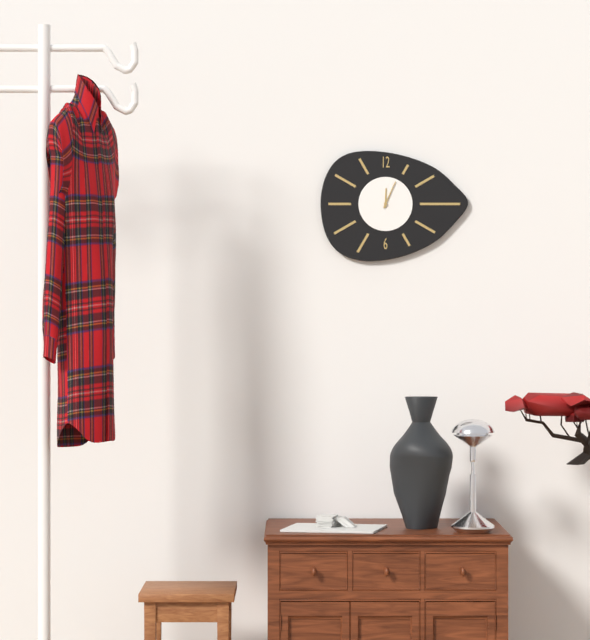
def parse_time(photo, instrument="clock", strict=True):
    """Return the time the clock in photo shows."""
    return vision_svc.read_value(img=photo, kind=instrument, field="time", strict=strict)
12:04
